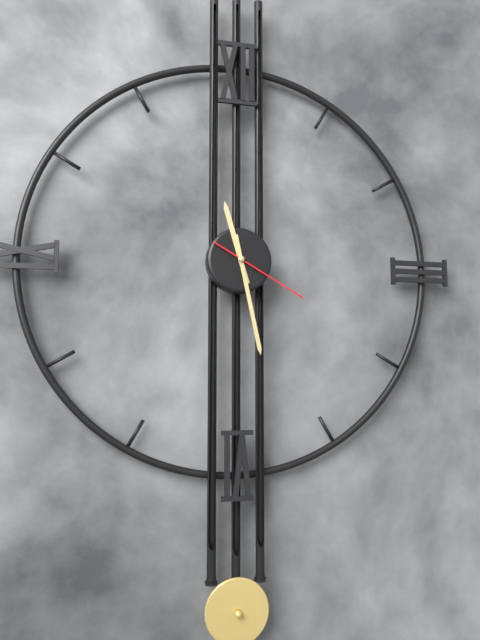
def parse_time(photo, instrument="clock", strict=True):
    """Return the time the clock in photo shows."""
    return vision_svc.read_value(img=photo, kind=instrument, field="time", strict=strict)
11:28:20
